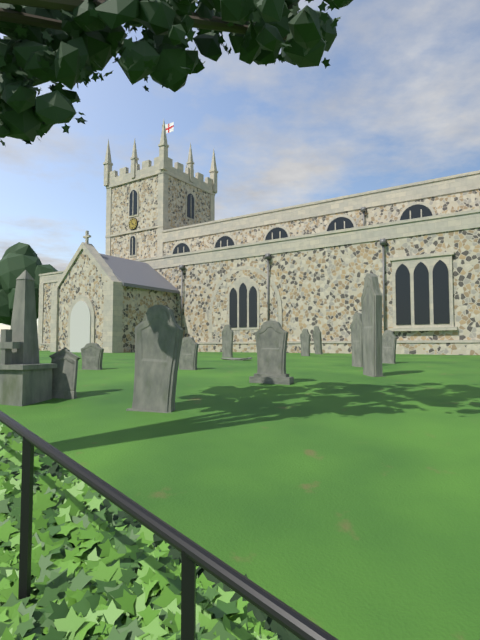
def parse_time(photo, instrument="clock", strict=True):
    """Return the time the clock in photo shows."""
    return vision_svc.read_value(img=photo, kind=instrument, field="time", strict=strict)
3:55
